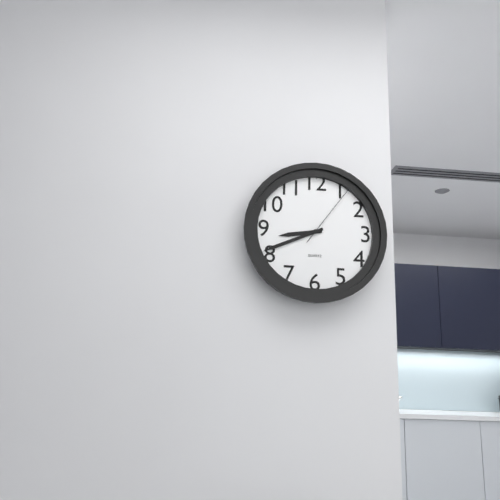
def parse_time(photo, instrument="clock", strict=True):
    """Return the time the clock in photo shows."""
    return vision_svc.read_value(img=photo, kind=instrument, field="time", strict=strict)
8:41:06
